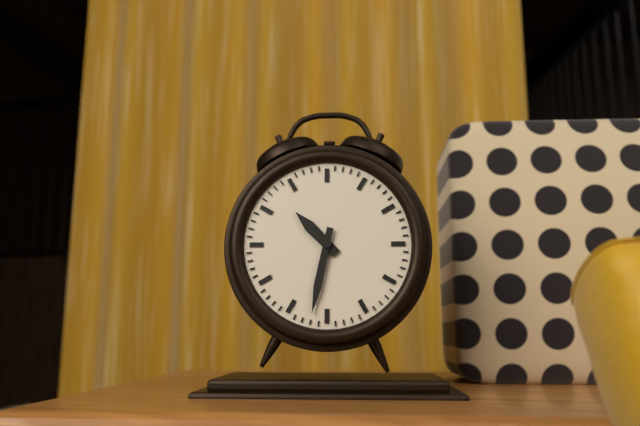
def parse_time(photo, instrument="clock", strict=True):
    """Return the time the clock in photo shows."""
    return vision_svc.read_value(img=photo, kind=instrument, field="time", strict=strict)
10:32
